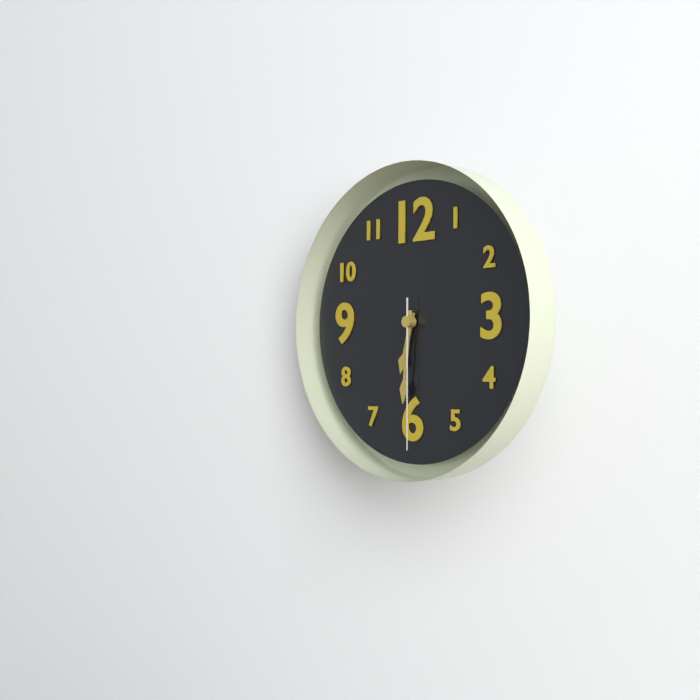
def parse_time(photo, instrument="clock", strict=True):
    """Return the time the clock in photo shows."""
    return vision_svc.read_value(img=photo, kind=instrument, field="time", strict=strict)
6:31:30
